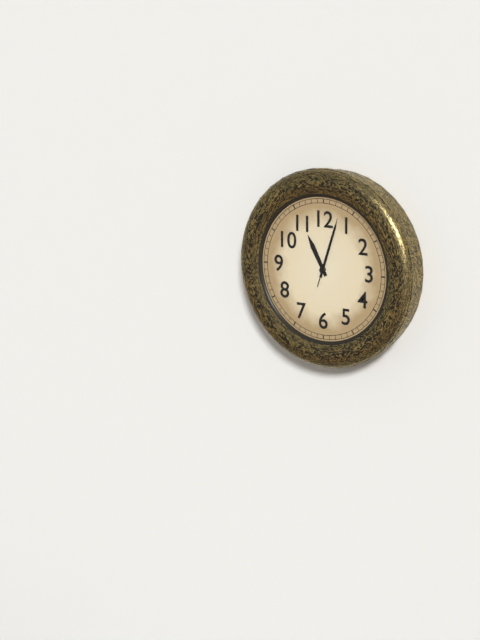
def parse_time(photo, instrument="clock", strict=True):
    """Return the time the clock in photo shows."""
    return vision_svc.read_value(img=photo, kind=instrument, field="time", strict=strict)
11:03:03
